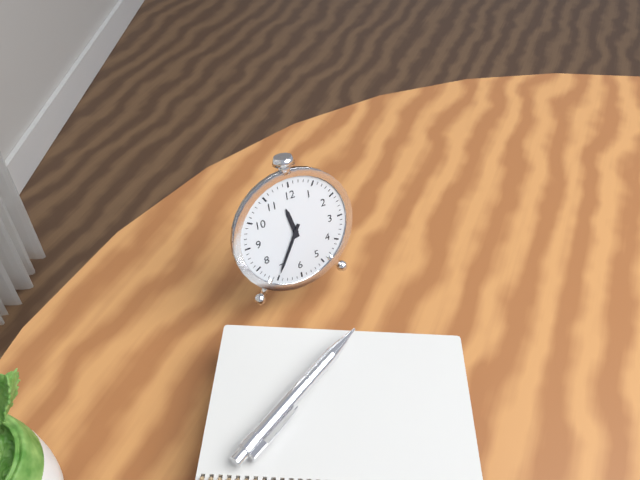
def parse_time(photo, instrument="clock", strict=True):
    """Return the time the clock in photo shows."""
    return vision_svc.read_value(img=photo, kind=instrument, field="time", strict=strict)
11:35
